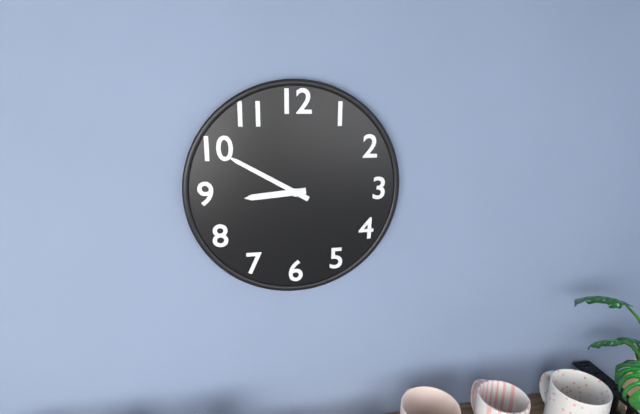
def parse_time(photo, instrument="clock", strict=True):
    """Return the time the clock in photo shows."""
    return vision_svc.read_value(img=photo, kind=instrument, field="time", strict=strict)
8:50
